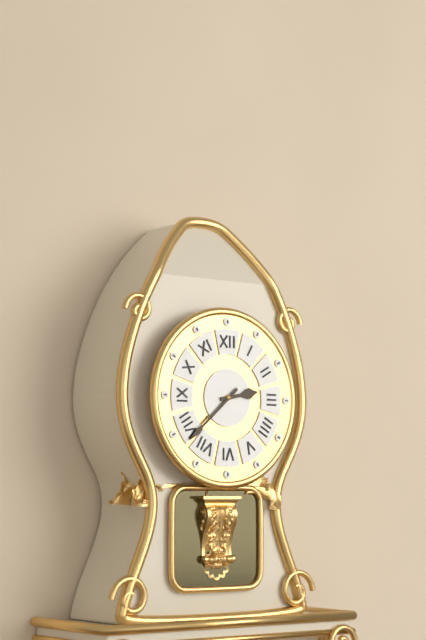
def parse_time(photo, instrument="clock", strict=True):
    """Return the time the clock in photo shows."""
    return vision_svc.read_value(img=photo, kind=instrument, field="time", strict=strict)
2:38
